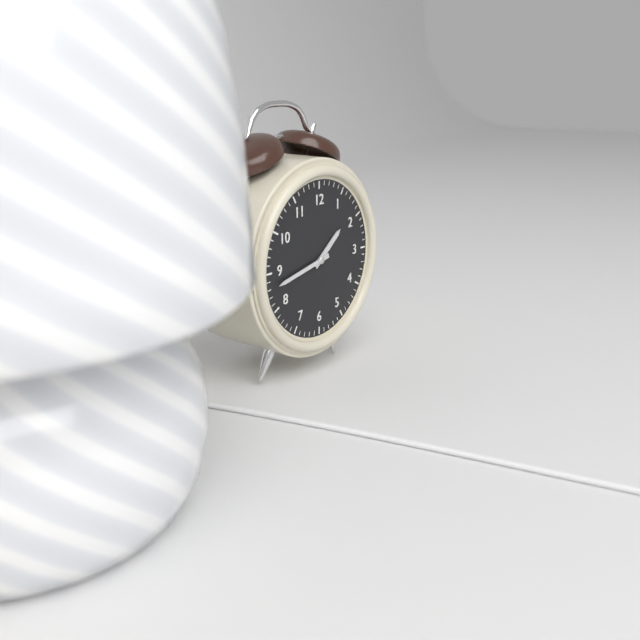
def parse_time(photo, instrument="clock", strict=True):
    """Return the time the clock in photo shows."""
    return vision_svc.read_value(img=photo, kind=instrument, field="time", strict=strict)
1:43
